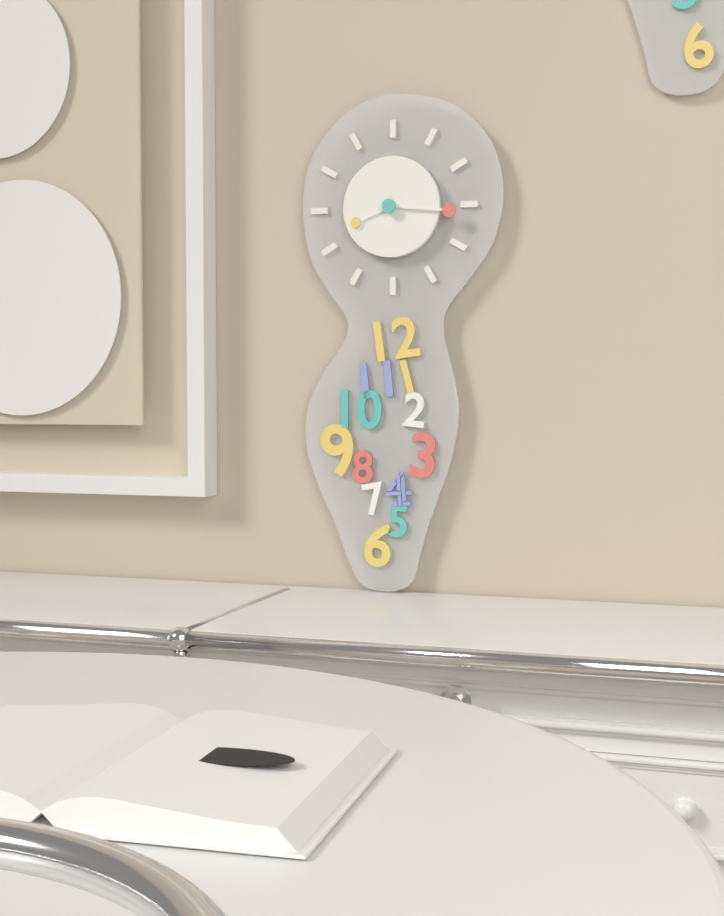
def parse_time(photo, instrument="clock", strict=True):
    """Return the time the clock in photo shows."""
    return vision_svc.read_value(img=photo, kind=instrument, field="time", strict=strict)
8:16
